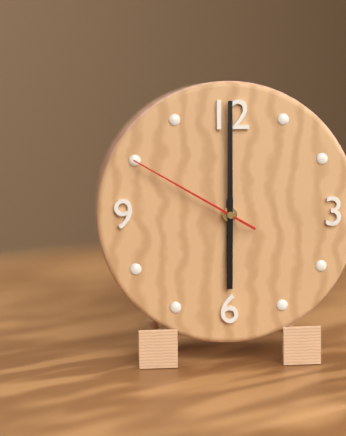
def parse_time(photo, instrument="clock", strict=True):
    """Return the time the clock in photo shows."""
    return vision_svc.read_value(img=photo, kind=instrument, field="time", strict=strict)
6:00:50
